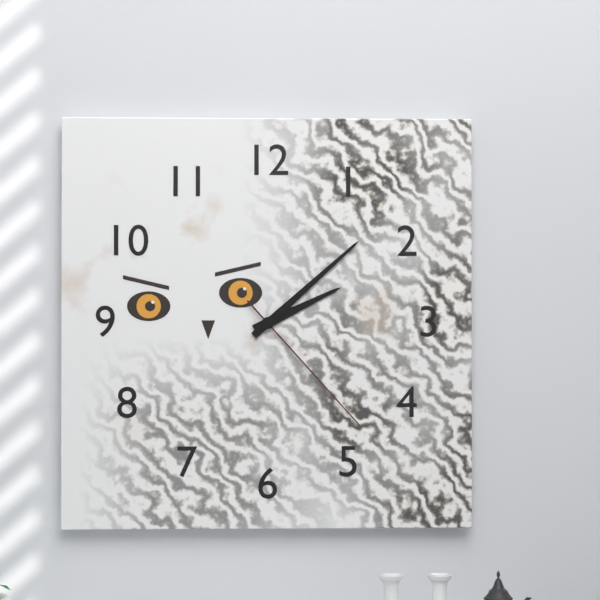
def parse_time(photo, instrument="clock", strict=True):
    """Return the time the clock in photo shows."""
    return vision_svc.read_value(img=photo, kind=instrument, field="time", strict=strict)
2:08:23
